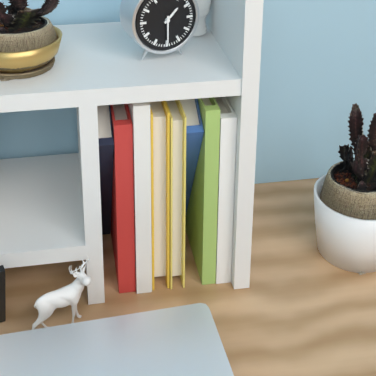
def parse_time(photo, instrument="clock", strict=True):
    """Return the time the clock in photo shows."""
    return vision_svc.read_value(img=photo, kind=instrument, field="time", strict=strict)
1:30
